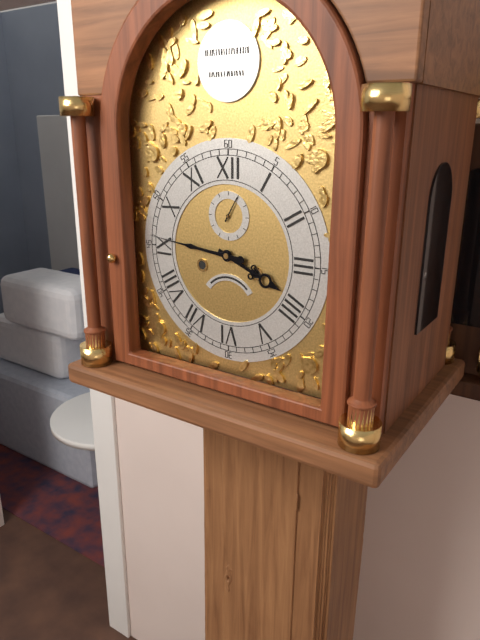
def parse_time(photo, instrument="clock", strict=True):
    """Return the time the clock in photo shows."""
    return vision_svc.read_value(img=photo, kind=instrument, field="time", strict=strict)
3:46
